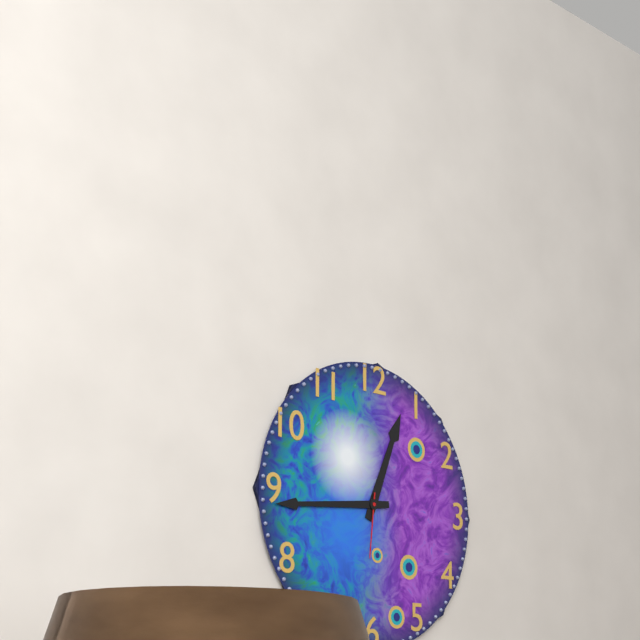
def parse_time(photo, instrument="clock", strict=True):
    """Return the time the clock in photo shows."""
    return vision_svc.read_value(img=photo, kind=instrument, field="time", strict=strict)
12:44:31
